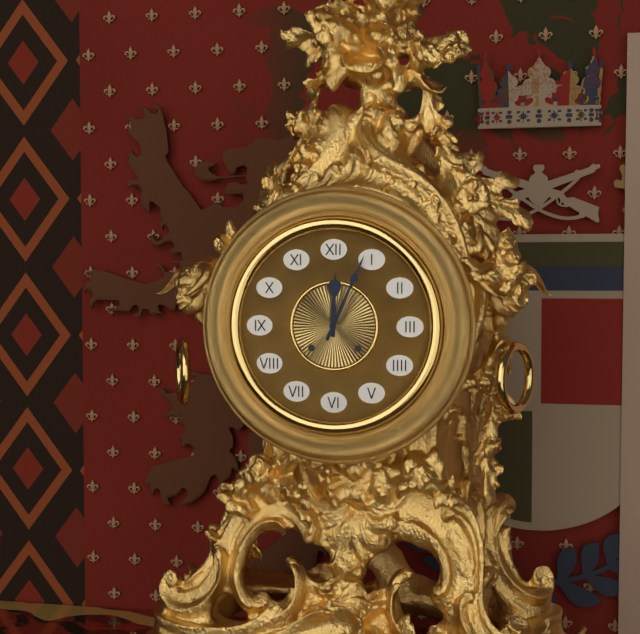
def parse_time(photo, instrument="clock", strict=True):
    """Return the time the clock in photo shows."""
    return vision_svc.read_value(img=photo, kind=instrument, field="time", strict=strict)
12:04
